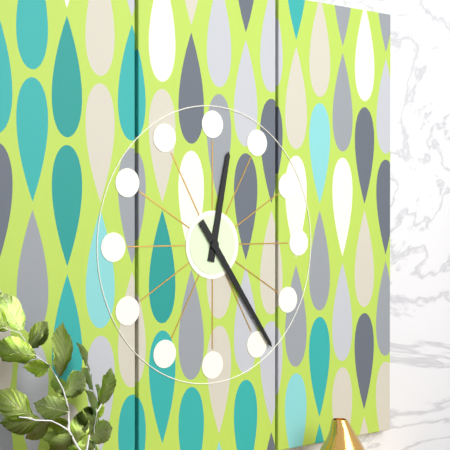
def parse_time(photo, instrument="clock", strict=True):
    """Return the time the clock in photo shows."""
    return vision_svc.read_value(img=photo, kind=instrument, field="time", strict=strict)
12:24
